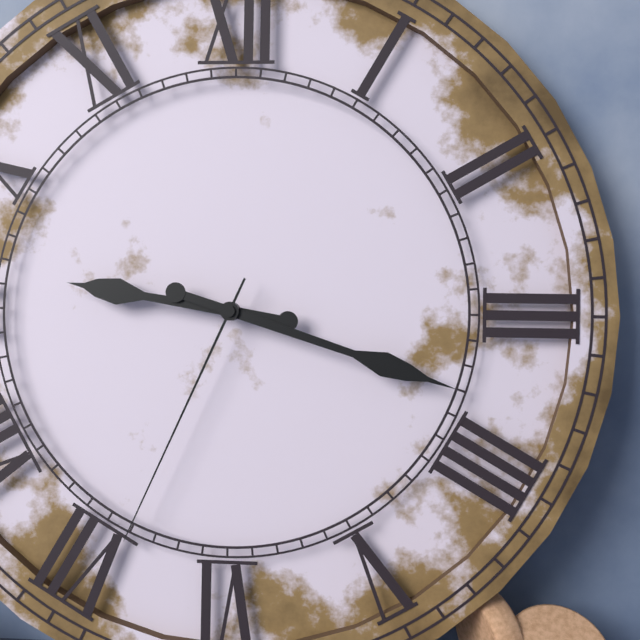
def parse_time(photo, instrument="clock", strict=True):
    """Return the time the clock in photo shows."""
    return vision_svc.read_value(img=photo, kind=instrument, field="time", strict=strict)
9:18:34
